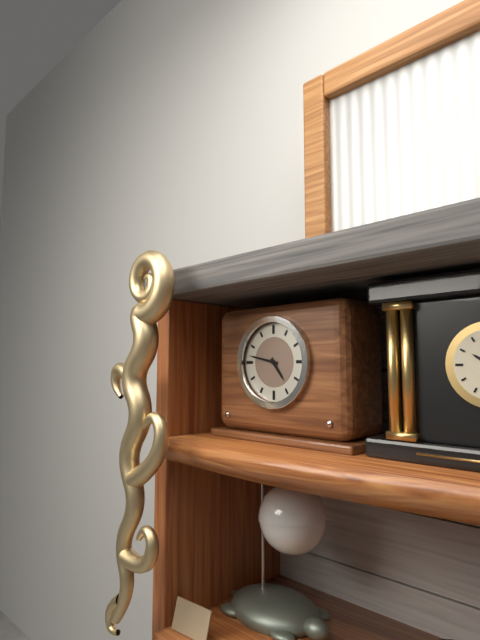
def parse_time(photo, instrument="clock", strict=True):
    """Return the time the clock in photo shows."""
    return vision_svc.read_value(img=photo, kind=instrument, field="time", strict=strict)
4:47
